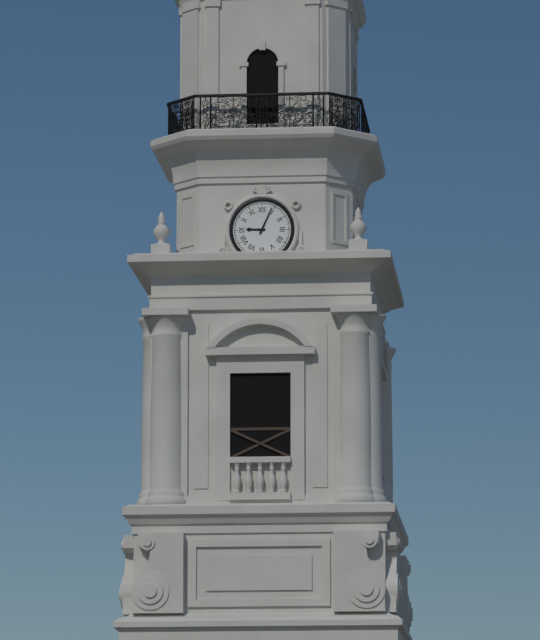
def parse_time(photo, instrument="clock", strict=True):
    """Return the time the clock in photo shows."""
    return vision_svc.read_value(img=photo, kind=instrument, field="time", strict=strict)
9:04
